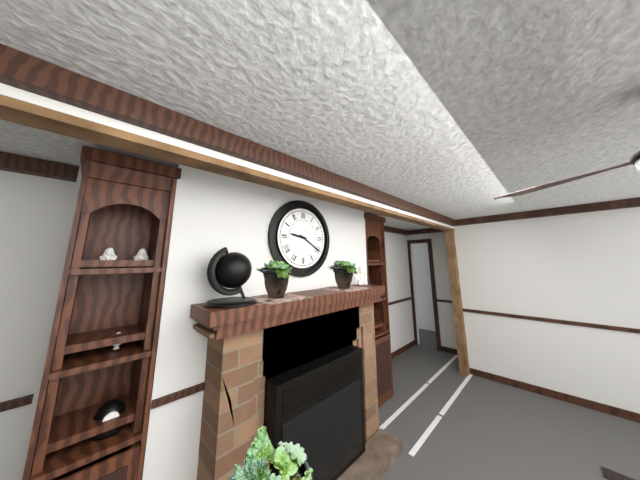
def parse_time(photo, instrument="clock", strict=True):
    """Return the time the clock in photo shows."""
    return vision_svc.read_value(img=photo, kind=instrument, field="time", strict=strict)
9:20
